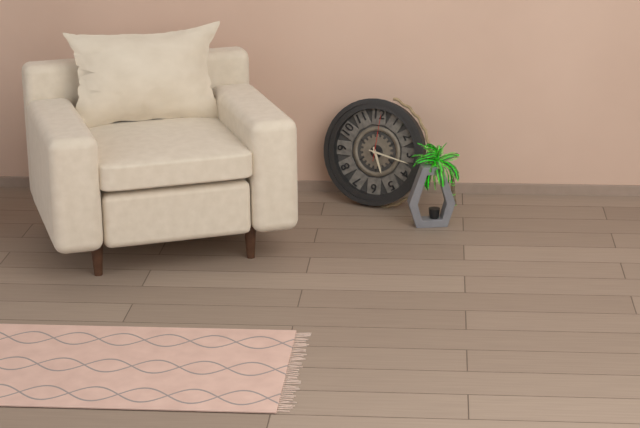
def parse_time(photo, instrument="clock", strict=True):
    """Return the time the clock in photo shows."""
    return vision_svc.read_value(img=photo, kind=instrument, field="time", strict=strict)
5:17
